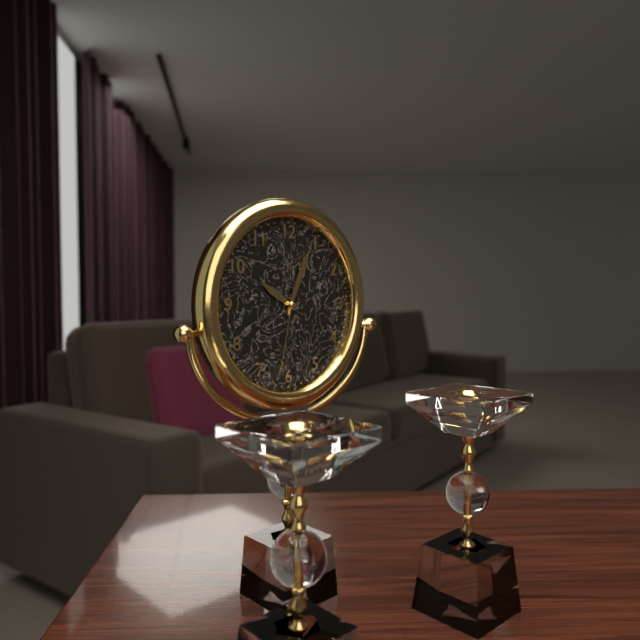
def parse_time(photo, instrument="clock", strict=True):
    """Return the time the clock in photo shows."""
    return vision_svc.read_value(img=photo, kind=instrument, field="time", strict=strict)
10:04:32
